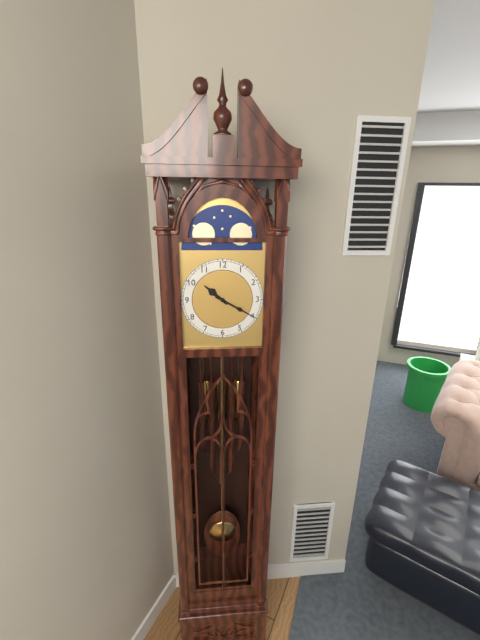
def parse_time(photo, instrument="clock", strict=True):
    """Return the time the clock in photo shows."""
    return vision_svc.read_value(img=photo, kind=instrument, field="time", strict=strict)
10:20
